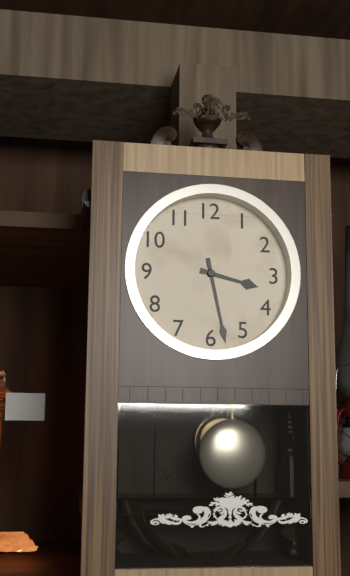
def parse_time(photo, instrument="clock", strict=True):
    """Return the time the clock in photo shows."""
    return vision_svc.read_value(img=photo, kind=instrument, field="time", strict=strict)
3:28
